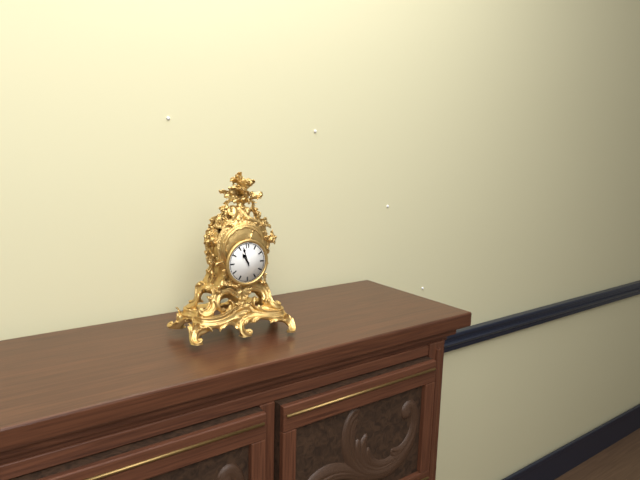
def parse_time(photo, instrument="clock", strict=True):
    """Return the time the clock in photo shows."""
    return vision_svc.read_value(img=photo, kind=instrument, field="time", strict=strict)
10:57
